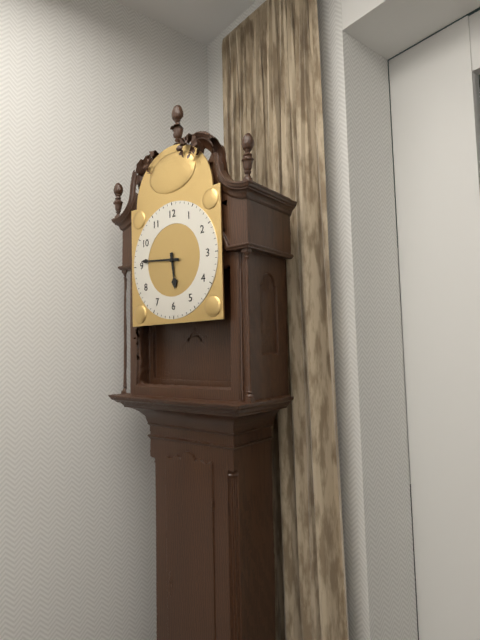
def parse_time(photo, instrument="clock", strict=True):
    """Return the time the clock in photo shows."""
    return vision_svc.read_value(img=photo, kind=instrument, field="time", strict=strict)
5:46
